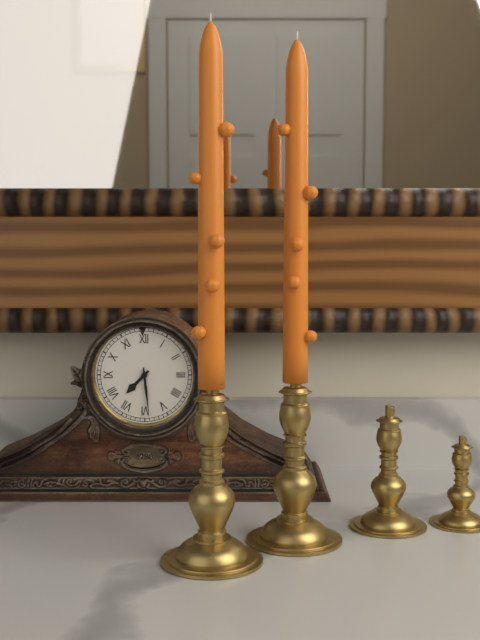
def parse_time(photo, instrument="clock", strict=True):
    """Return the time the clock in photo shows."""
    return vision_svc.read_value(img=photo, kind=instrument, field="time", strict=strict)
7:29
